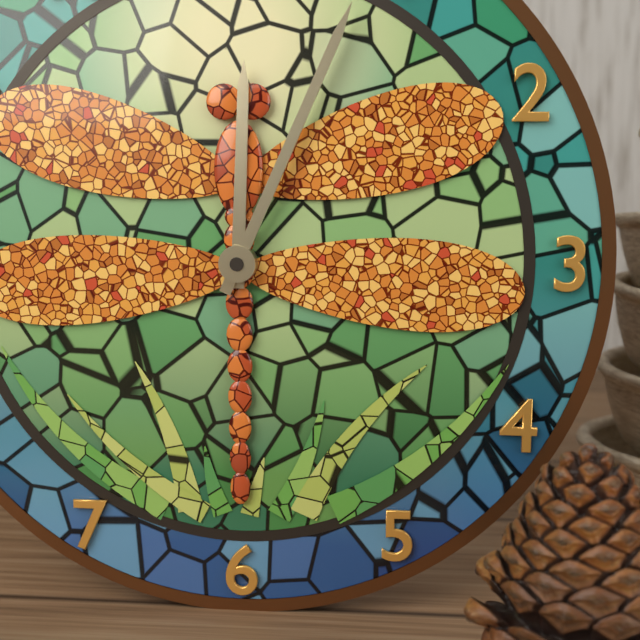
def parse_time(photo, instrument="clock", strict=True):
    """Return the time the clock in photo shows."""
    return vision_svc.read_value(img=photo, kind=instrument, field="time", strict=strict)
12:04
